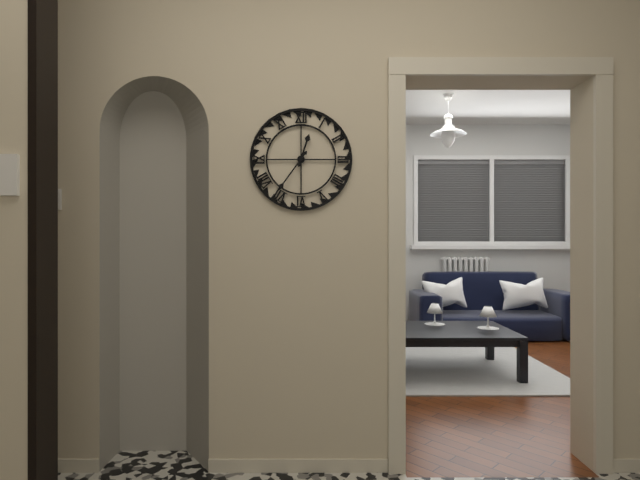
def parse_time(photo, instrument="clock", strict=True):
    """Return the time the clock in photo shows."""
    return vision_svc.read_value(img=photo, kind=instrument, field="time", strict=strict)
12:36
